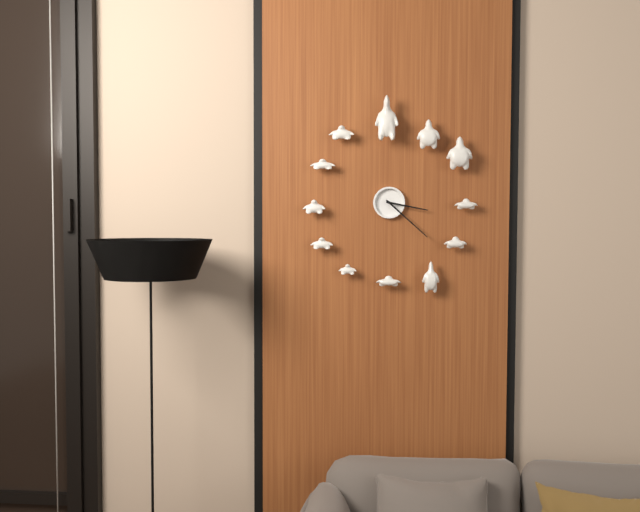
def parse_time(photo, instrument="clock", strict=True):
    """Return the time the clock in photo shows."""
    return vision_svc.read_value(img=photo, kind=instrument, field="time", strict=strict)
3:22
